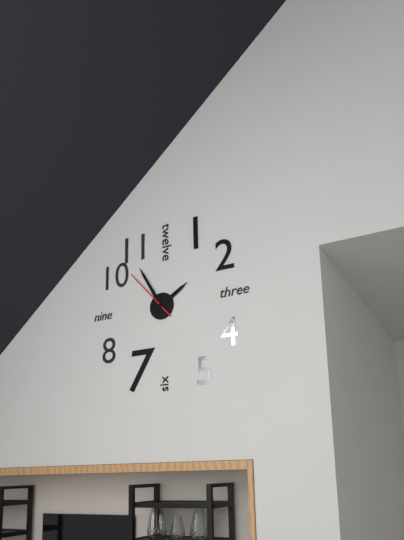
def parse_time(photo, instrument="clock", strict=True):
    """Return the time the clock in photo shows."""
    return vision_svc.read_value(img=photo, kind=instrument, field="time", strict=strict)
1:55:53
